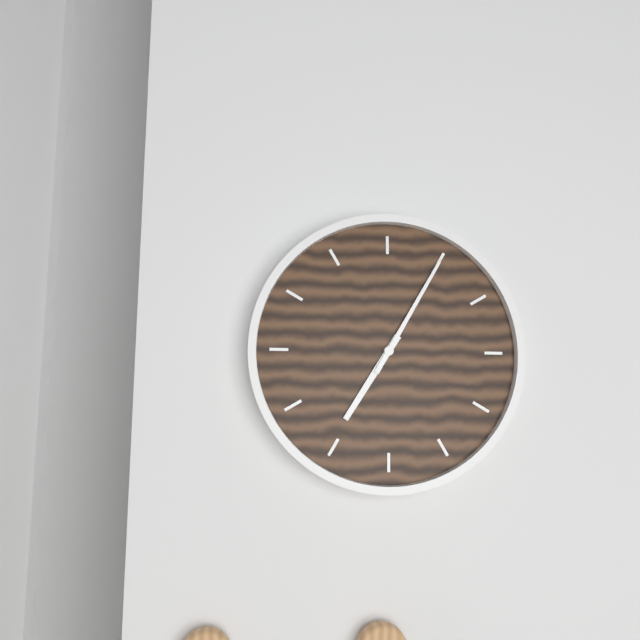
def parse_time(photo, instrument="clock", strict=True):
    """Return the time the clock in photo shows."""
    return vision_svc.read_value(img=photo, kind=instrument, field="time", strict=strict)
7:05
